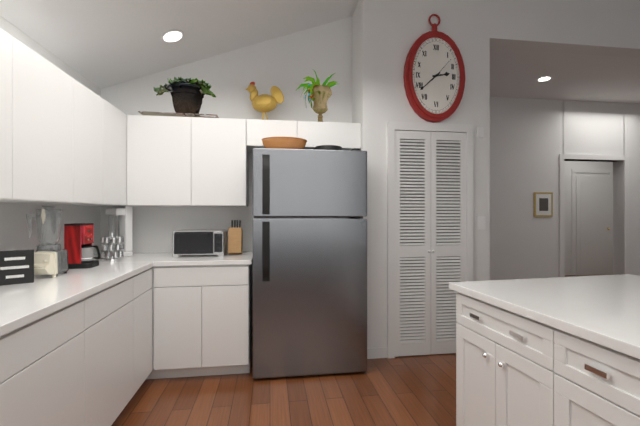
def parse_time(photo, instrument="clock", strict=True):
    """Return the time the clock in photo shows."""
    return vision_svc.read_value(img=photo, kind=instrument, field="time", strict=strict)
2:38
